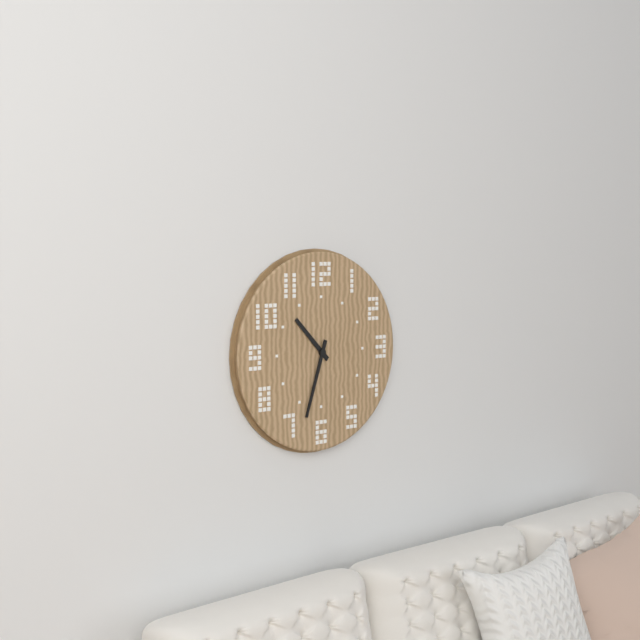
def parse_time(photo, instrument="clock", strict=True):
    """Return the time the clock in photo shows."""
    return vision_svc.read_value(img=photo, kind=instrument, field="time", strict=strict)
10:33
